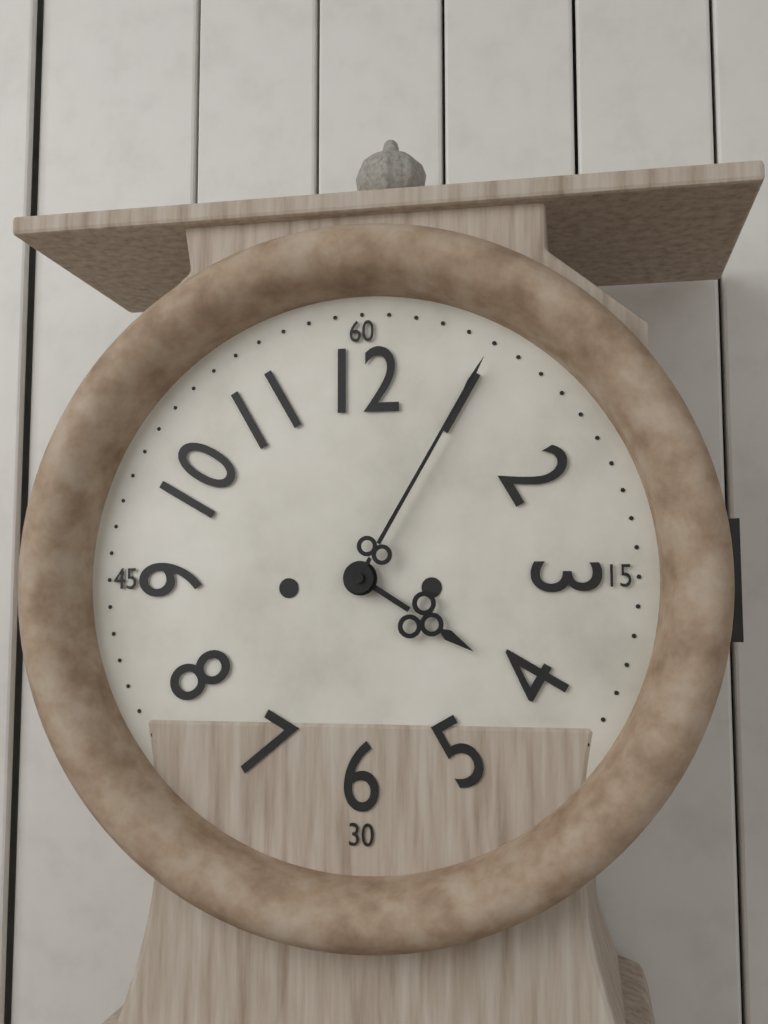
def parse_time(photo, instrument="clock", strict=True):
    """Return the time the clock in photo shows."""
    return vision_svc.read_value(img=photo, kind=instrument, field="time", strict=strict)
4:05
